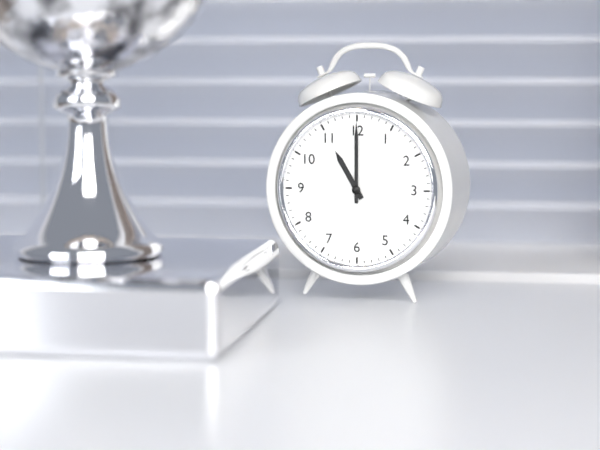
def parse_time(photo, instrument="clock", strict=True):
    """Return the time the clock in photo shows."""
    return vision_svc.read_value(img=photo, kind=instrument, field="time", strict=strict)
11:00
